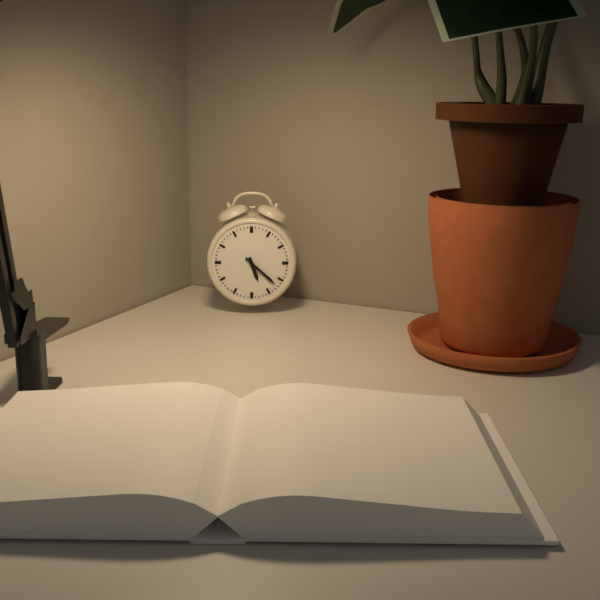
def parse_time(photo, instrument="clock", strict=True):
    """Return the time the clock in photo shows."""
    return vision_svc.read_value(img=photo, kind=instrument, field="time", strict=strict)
5:22
